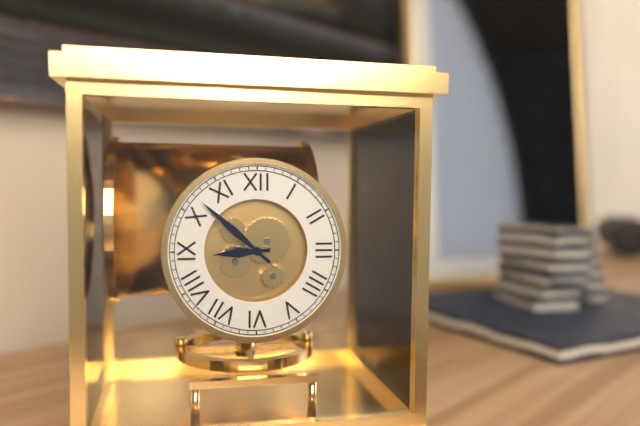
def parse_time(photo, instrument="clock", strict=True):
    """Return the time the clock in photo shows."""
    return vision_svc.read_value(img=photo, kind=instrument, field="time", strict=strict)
8:52
